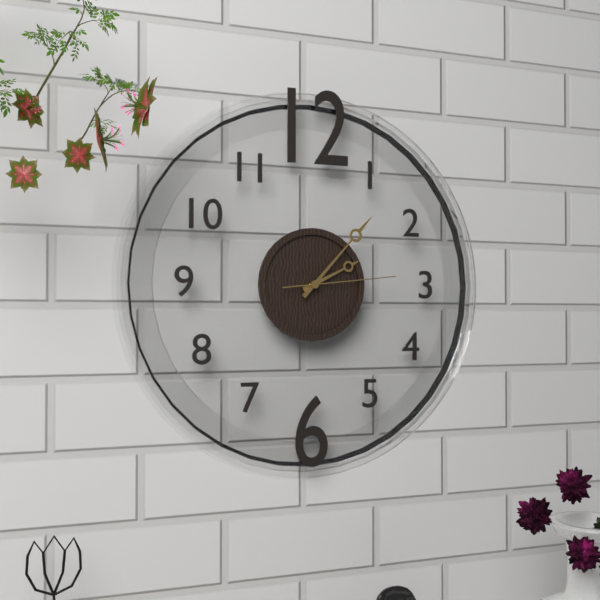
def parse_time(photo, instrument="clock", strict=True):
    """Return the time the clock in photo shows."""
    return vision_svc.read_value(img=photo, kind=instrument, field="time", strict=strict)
2:07:14
